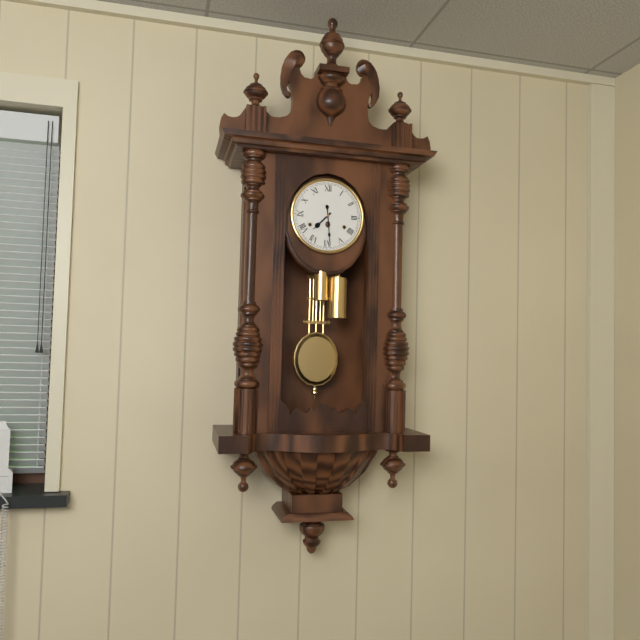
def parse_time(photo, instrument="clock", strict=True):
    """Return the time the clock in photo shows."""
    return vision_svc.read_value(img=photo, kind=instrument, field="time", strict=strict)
7:29
